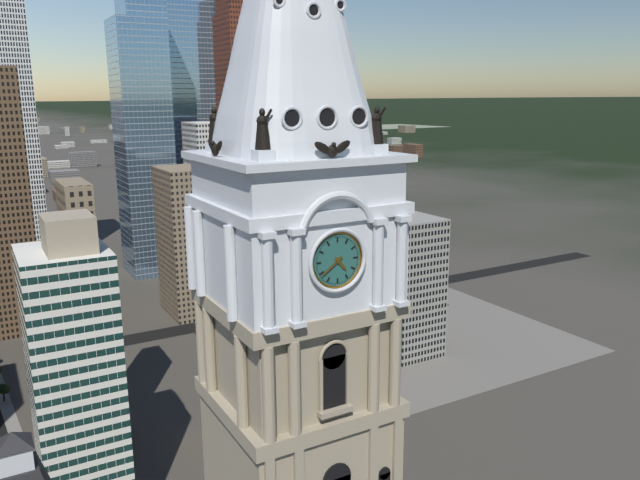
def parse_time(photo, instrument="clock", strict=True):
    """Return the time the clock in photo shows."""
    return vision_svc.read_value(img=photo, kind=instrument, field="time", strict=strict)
4:39
